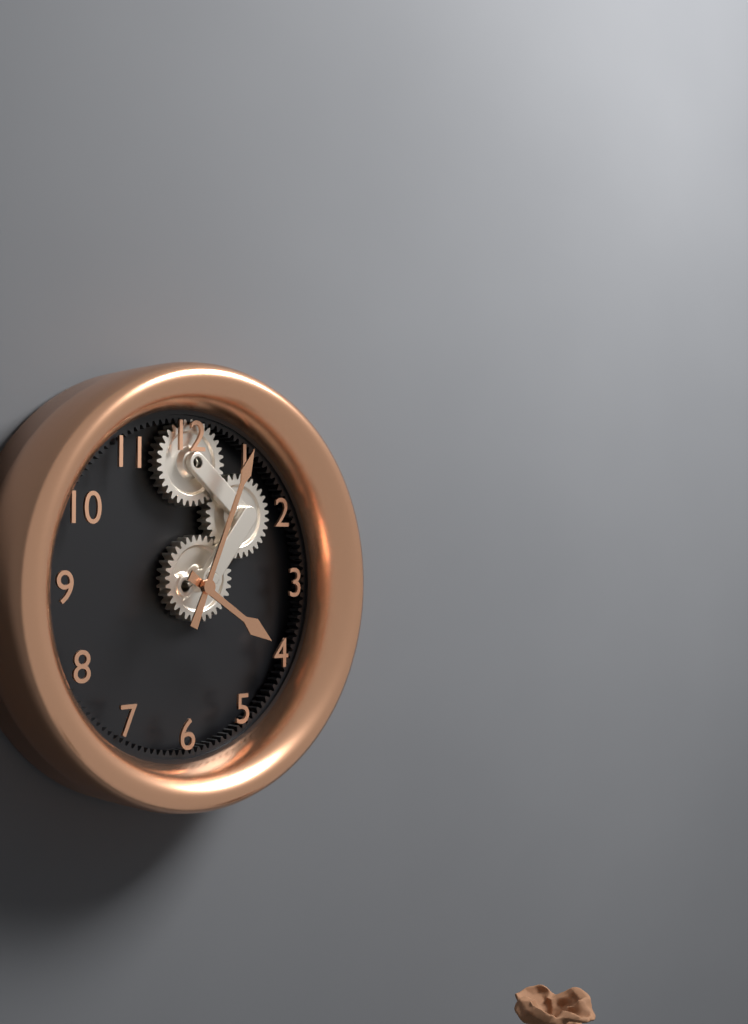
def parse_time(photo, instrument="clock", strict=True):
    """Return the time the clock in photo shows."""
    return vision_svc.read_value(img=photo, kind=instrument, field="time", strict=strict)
4:04
